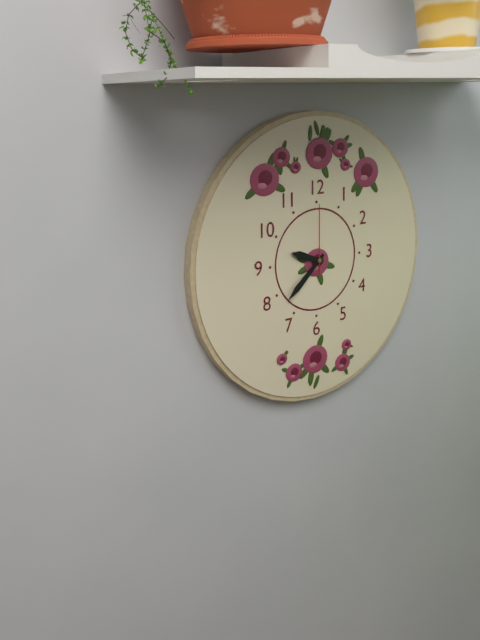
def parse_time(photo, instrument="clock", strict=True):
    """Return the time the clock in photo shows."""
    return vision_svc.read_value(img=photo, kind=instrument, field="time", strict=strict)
9:38:00
